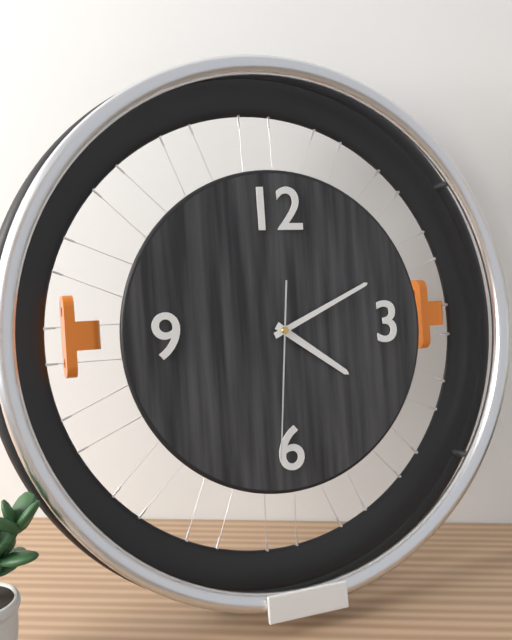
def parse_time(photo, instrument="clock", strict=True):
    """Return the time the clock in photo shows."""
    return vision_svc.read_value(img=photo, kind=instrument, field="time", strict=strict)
4:11:31
